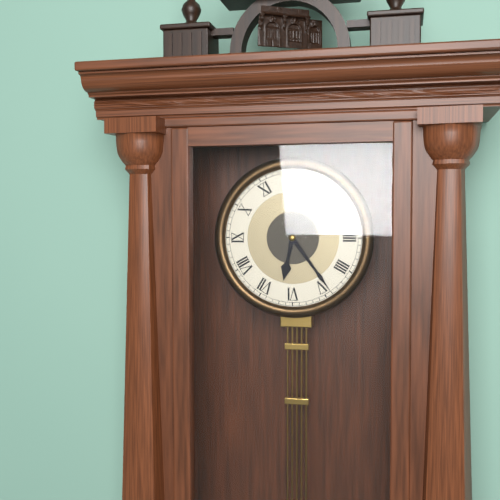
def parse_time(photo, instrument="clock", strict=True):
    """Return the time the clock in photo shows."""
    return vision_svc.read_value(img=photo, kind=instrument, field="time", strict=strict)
6:24
